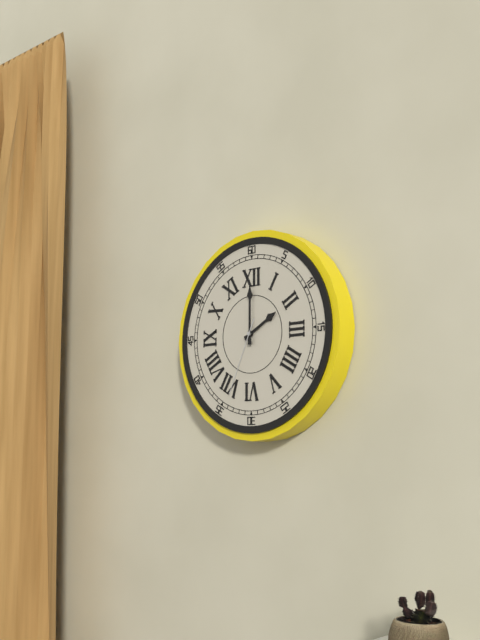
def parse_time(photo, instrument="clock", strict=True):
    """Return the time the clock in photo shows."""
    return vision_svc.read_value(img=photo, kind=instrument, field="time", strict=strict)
2:00:34
